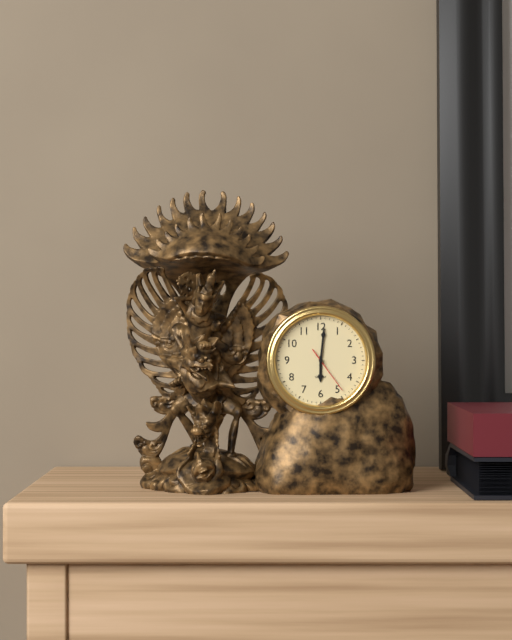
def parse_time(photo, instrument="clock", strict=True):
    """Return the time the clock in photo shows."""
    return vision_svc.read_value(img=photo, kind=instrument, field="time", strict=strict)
6:01
